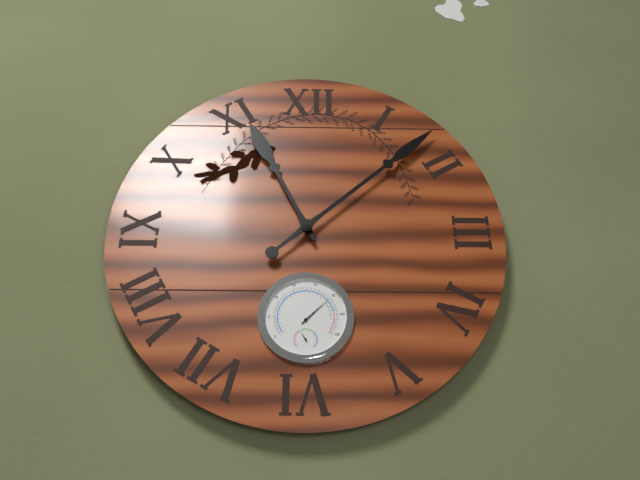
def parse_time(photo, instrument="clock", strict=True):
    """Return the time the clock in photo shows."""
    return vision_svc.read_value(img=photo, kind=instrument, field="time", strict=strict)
11:08
